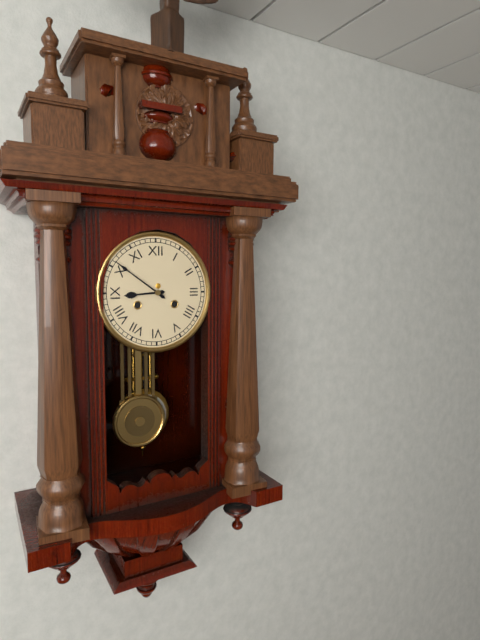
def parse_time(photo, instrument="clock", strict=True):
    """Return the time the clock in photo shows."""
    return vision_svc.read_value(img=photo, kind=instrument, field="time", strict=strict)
8:51
